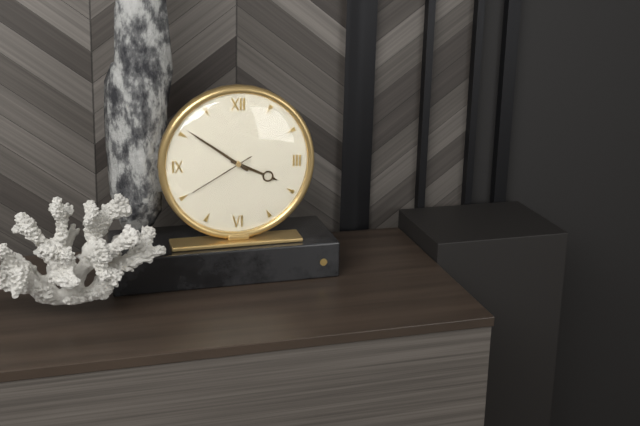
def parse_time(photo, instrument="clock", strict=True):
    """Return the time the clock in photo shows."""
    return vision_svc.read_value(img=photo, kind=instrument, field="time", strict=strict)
3:51:40
